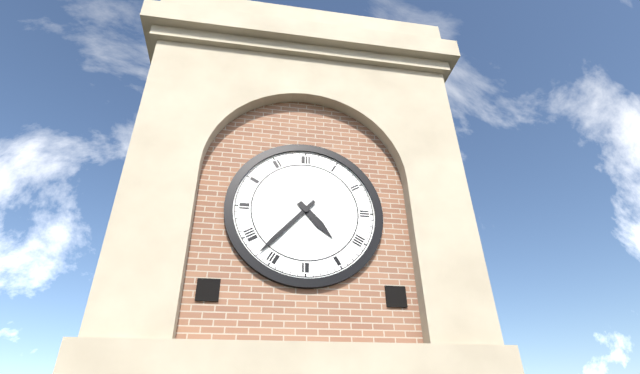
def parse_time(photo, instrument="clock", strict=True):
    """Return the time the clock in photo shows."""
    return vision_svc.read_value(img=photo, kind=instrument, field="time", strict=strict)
4:37
